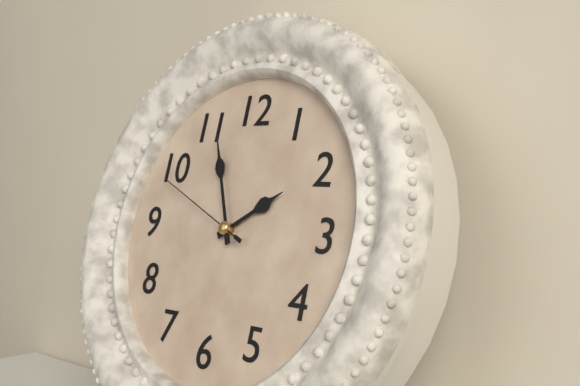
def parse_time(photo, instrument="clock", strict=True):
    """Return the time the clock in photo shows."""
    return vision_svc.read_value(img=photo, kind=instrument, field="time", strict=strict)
1:56:49
